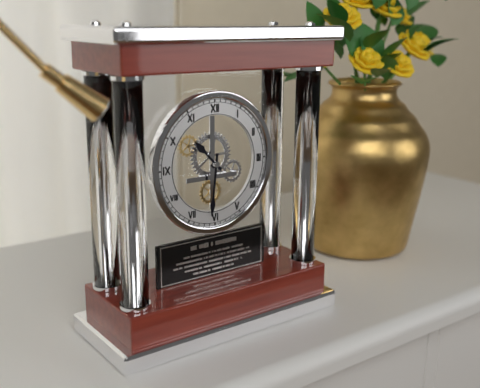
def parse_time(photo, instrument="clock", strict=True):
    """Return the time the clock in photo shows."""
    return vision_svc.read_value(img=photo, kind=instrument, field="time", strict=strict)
10:31
